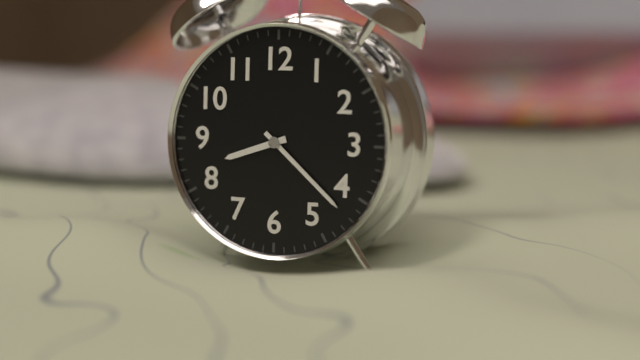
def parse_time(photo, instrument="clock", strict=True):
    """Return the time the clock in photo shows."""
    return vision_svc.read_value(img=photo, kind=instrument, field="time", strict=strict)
8:22
